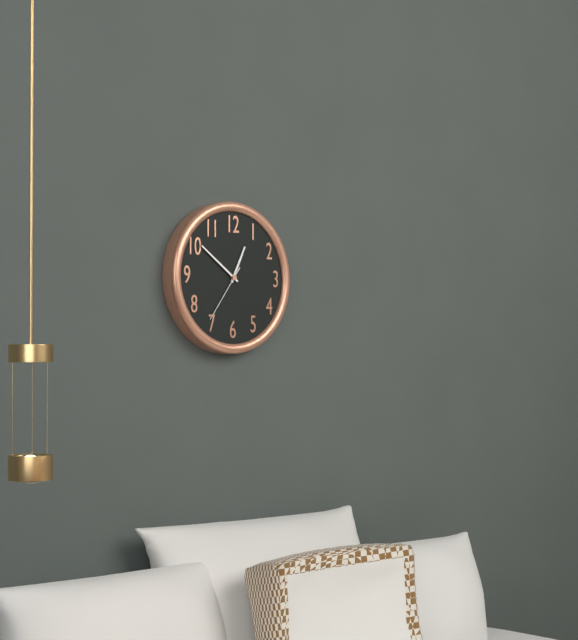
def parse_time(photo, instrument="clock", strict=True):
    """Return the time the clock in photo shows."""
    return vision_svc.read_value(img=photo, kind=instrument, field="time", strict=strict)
12:51:36
